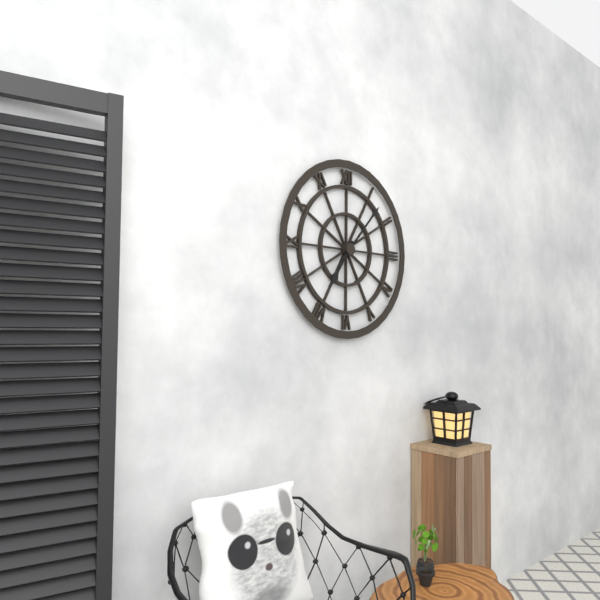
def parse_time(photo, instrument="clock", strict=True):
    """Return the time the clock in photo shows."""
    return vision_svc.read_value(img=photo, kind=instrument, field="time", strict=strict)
7:07
